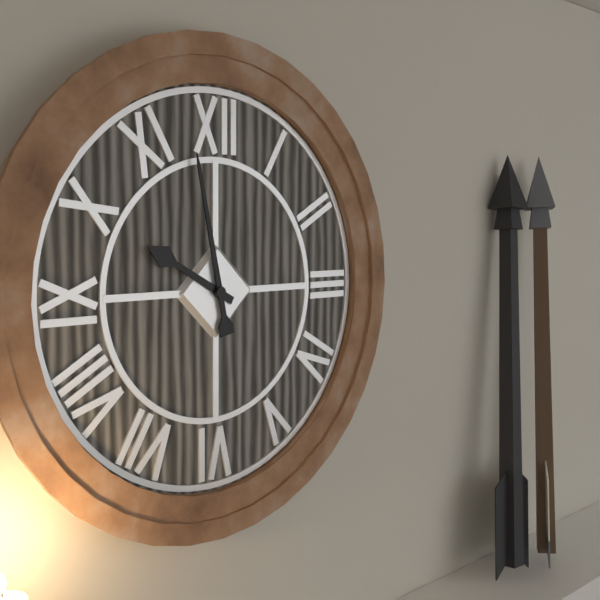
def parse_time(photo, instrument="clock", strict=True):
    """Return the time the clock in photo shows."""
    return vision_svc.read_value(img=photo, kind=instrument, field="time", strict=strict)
9:58
